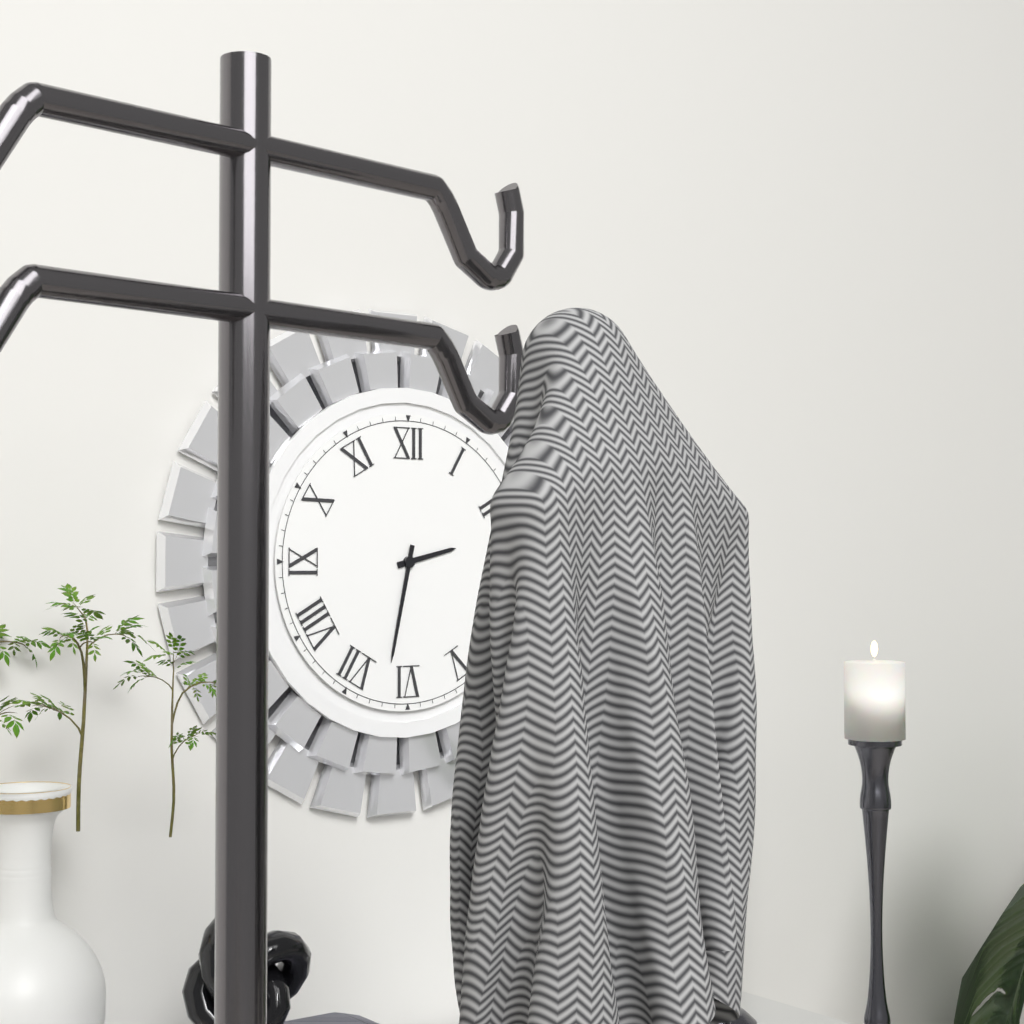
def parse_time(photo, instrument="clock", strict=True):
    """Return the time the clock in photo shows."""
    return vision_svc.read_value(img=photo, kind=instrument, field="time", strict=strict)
2:32
